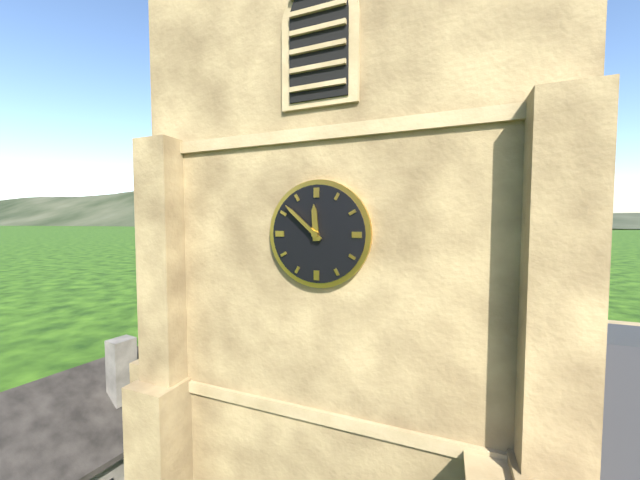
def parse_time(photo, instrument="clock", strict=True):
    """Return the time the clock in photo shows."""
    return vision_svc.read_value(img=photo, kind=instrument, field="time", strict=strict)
11:52
